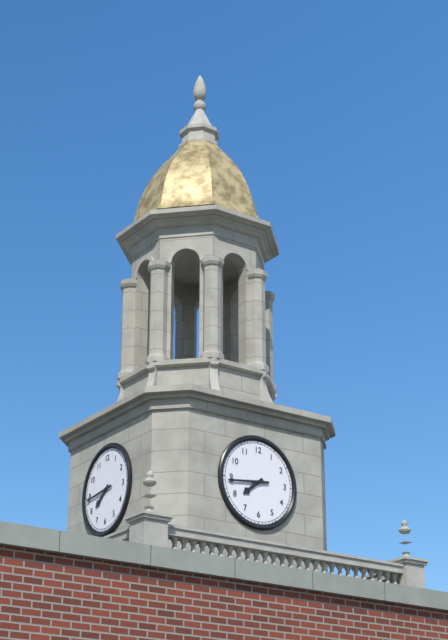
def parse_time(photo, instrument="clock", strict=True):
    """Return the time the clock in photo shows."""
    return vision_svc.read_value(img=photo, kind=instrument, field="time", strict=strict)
7:44
